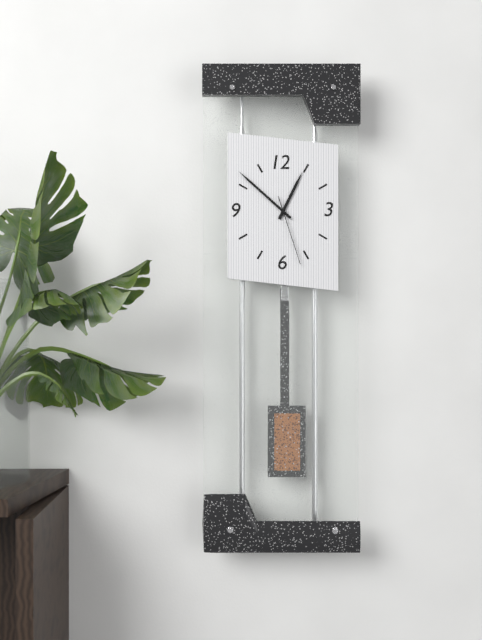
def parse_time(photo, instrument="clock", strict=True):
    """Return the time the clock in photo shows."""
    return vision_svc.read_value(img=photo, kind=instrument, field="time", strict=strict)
12:52:27
